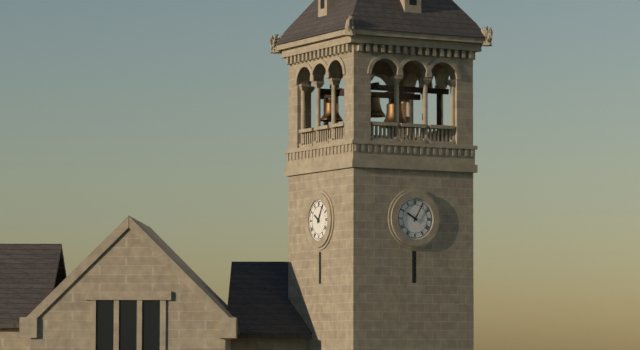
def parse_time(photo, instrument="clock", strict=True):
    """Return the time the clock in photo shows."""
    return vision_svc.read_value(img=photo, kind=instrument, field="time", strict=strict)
10:05
